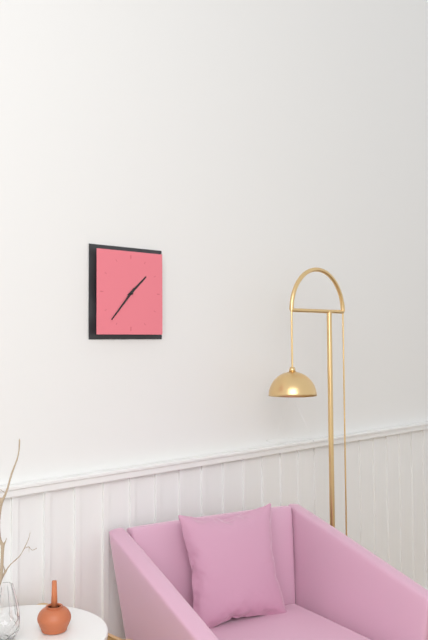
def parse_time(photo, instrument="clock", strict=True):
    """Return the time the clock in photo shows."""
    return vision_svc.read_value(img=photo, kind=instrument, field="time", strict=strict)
1:37
